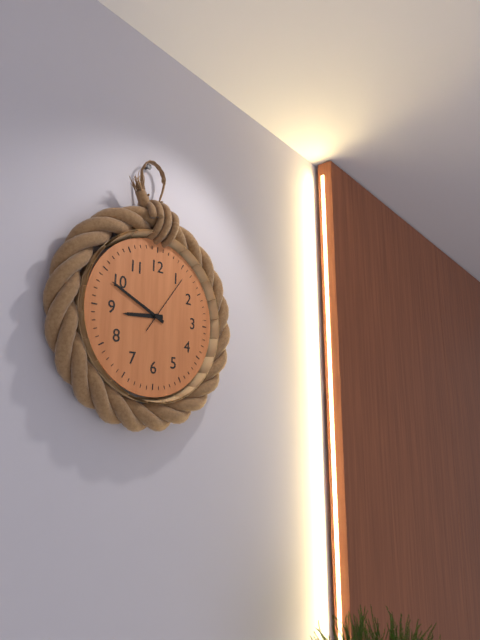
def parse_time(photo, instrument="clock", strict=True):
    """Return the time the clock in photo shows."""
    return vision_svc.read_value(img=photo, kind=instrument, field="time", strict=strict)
8:49:06
